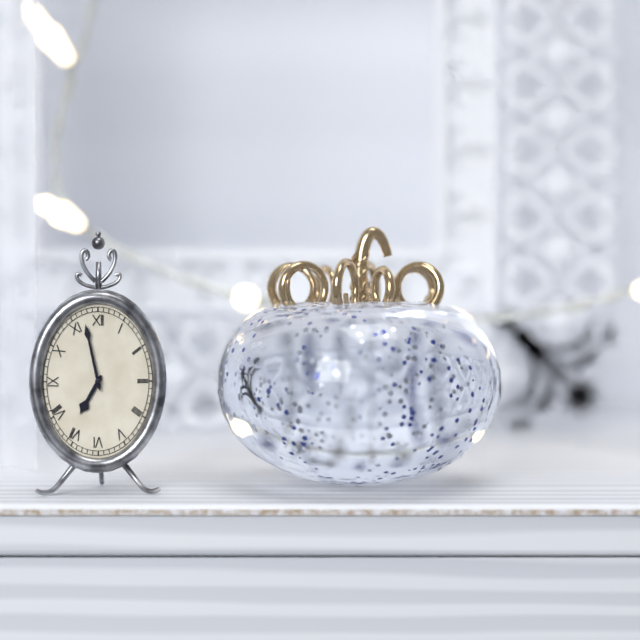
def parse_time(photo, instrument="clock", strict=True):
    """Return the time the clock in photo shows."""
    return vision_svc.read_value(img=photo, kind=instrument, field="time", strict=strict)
6:58
